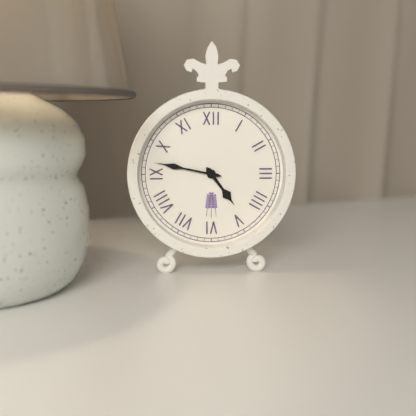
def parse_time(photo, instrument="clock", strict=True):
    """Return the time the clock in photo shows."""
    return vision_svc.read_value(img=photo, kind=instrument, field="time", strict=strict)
4:47
